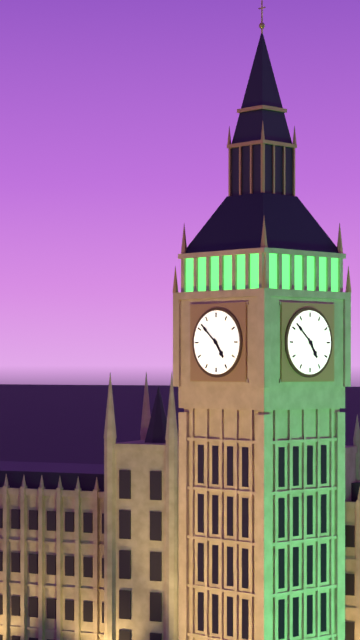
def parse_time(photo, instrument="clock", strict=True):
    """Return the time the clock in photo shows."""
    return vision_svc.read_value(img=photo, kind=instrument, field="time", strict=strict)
4:52
